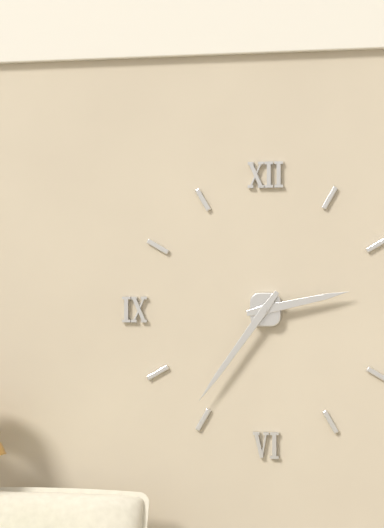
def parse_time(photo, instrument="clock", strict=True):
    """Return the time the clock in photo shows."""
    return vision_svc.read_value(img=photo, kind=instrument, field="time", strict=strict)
2:36
